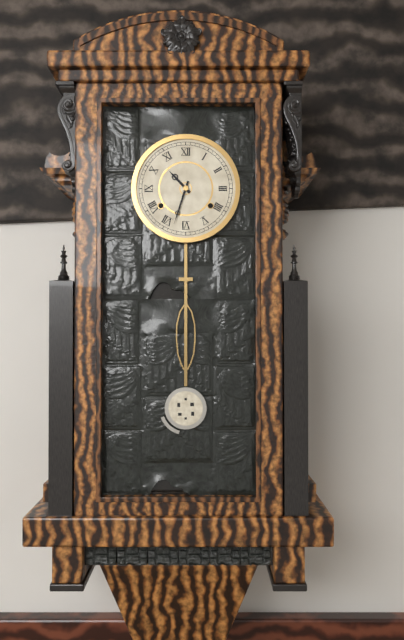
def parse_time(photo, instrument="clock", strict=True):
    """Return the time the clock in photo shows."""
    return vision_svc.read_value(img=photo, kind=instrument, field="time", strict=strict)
10:33
